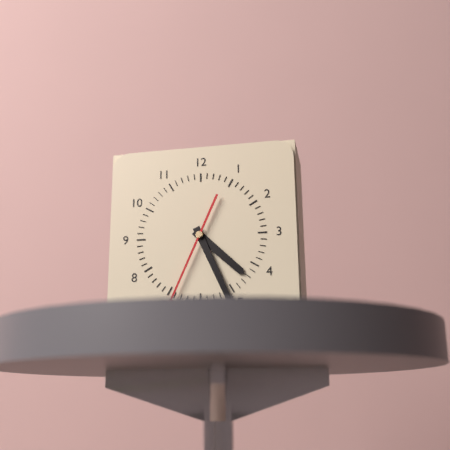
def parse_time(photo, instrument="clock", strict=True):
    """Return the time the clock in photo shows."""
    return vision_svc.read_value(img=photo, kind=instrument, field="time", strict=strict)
4:26:34
